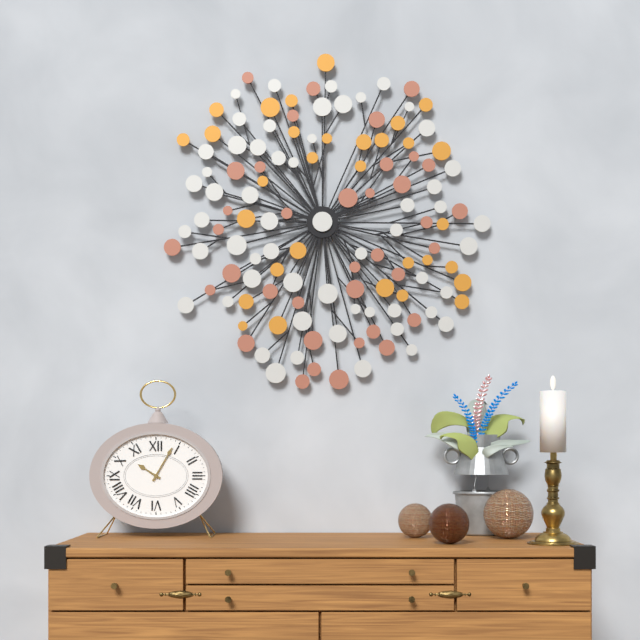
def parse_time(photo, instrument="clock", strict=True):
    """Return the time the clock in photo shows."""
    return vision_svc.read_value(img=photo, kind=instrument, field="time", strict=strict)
10:05
